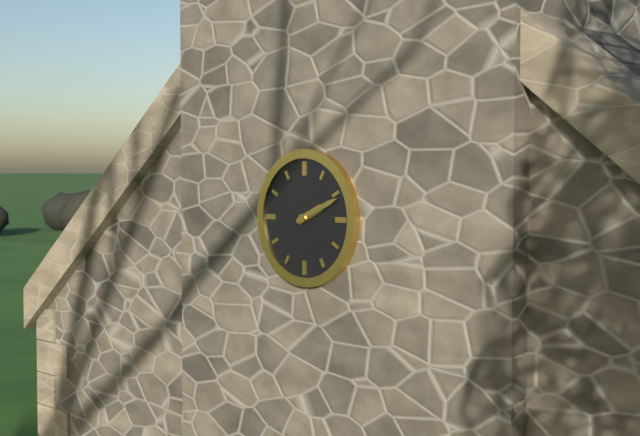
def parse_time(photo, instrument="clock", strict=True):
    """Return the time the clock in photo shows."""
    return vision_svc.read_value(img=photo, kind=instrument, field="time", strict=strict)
2:11
